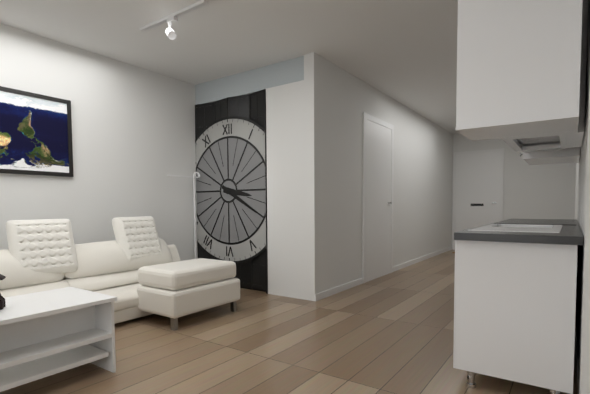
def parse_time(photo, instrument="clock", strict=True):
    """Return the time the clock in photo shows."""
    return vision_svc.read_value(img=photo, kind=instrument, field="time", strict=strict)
3:20
